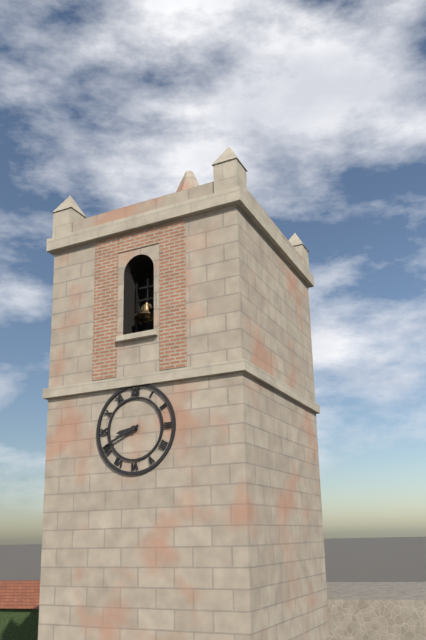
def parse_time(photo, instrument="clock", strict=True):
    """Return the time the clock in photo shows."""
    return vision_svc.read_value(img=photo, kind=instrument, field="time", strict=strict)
8:41
